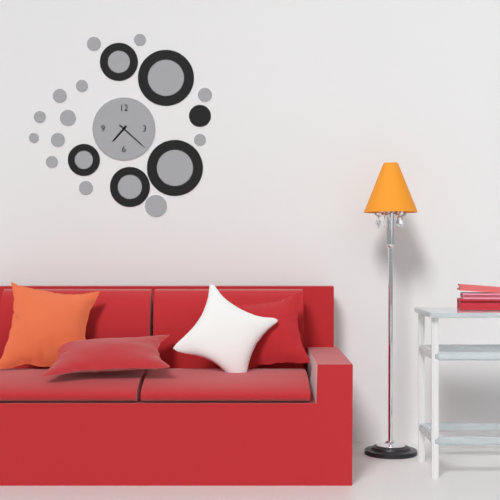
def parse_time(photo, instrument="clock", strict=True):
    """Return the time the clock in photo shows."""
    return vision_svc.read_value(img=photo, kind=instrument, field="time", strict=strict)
7:22
